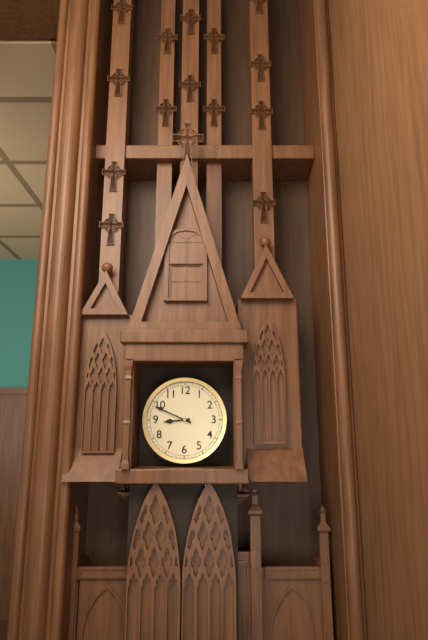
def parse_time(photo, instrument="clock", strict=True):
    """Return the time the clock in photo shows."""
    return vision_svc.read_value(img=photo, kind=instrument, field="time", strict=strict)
8:49
